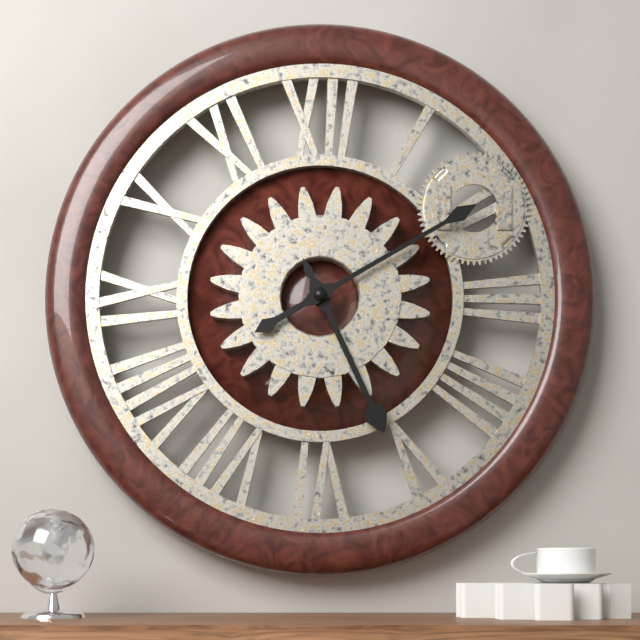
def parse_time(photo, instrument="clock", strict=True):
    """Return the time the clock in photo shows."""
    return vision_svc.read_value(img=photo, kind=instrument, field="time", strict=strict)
5:10
